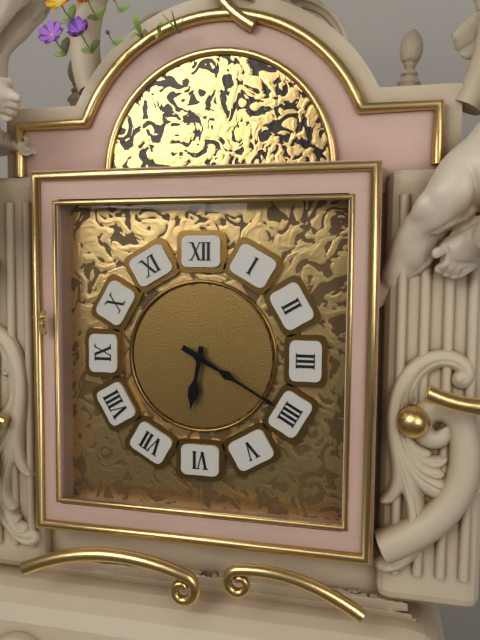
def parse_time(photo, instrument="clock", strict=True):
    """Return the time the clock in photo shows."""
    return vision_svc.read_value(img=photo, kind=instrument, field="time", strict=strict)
6:20
